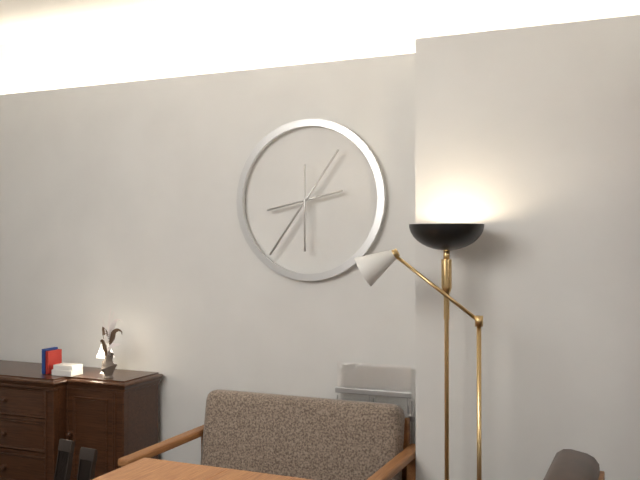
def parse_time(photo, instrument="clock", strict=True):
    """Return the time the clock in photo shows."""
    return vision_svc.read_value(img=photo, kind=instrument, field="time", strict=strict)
8:36:30
